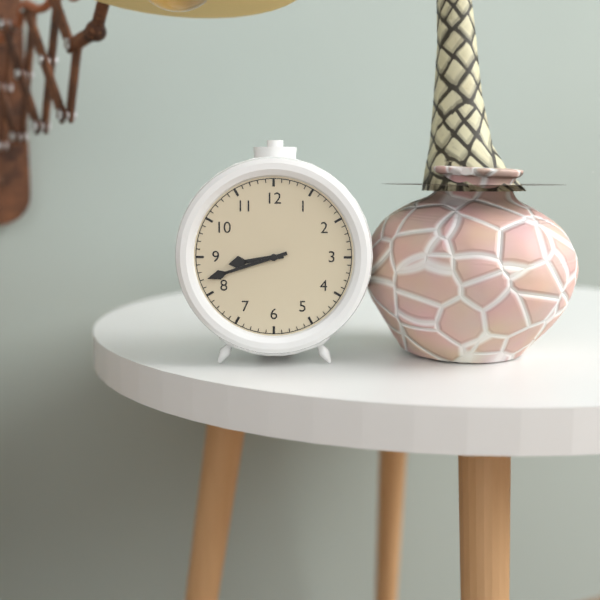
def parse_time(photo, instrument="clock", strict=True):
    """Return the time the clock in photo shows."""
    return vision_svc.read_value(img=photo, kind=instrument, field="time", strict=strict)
8:42
